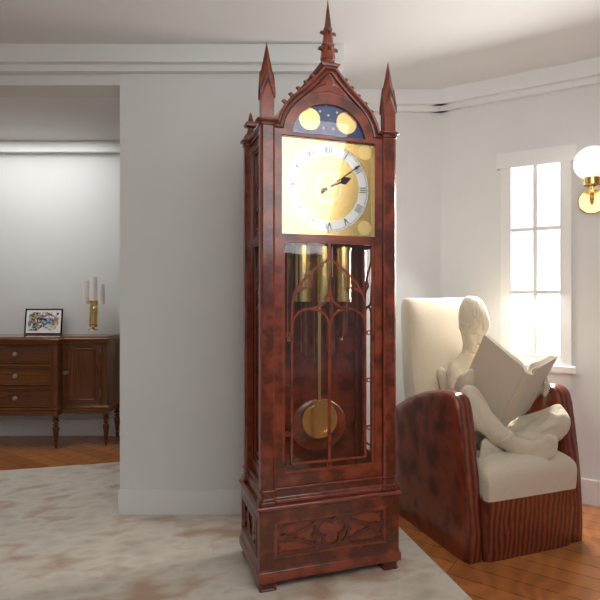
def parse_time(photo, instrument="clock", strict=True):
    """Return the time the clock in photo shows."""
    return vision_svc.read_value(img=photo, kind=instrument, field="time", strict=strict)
2:09
